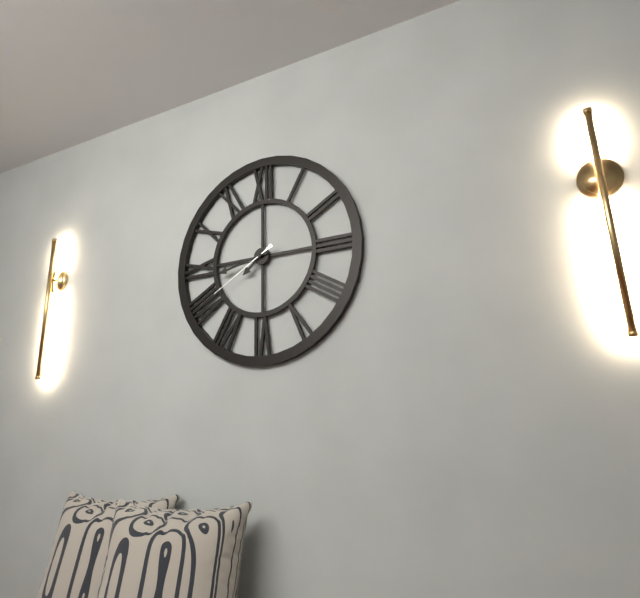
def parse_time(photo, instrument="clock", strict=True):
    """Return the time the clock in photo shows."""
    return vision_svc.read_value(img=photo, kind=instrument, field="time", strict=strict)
7:43:40
